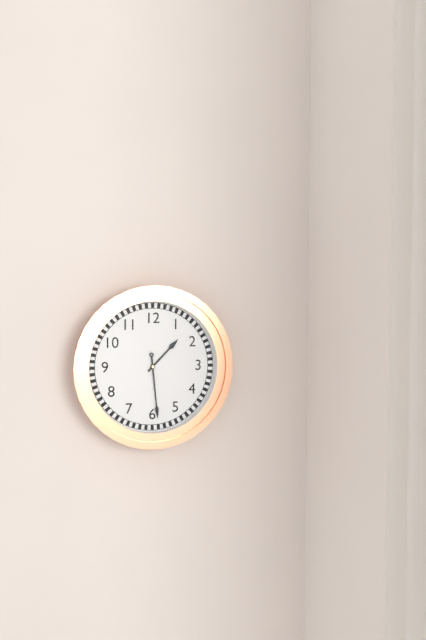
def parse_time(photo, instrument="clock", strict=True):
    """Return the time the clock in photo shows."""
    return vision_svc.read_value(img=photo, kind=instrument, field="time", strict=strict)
1:29
